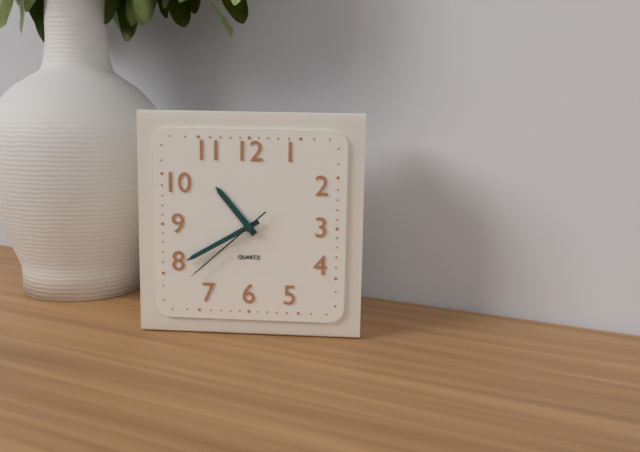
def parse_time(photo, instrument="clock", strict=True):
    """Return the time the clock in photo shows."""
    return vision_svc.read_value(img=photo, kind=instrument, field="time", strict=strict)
10:40:38
